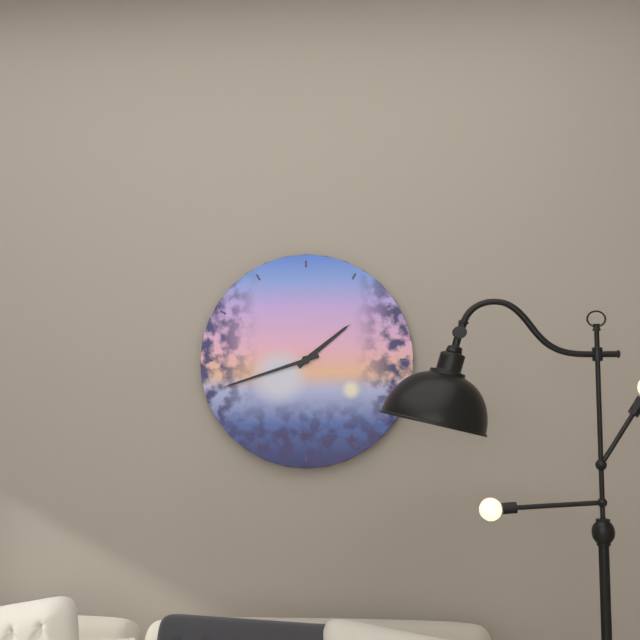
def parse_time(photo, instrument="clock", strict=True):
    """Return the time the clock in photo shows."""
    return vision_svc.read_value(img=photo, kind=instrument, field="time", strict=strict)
1:42
